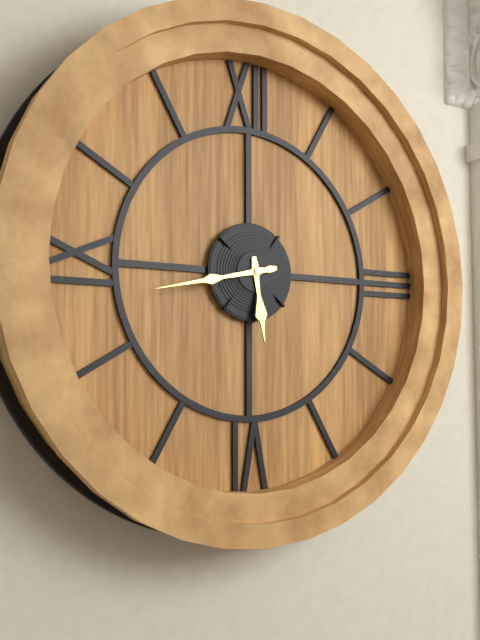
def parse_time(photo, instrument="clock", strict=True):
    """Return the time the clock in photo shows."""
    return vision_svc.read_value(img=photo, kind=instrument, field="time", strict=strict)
5:43
